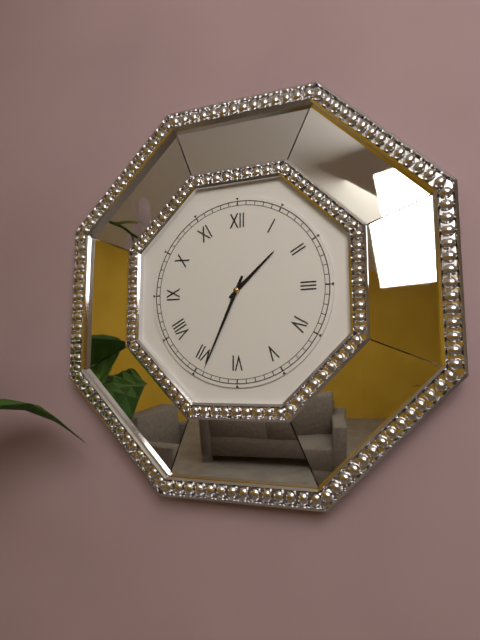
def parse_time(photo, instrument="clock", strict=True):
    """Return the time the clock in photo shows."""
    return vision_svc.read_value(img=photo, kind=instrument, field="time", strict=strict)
1:34
